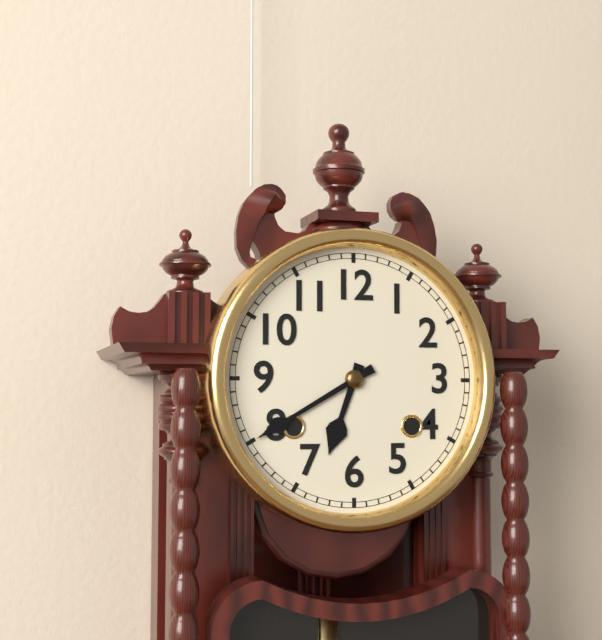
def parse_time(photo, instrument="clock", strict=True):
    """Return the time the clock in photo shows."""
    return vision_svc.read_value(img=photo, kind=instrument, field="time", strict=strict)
6:40
